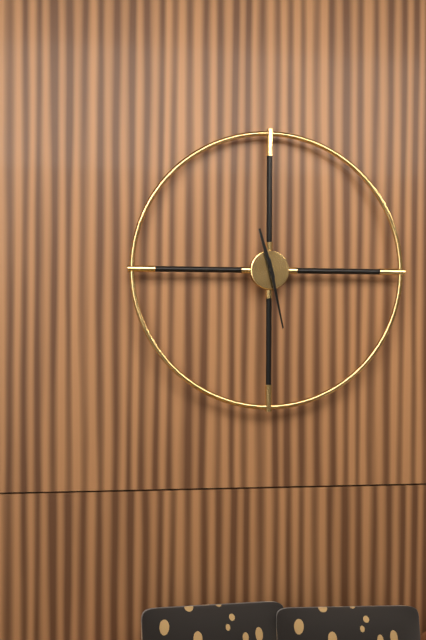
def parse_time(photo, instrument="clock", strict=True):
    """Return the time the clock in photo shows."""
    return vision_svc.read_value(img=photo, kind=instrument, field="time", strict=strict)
11:28
